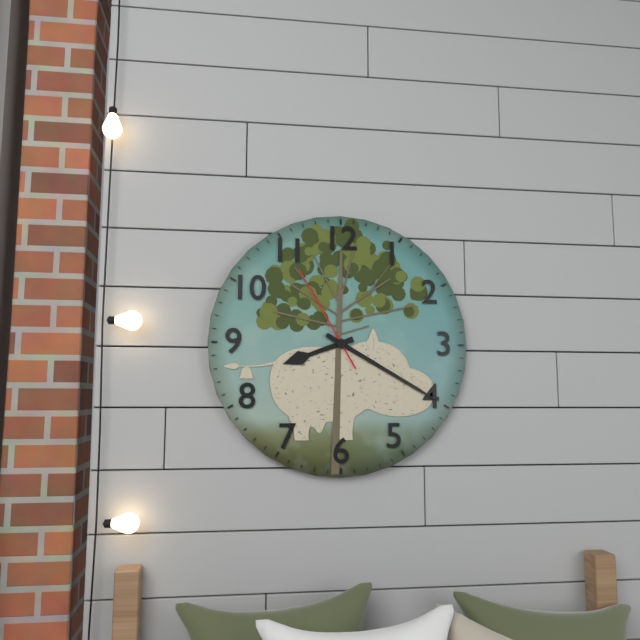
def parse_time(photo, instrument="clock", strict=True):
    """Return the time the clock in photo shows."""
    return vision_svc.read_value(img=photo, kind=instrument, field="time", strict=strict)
8:20:55
